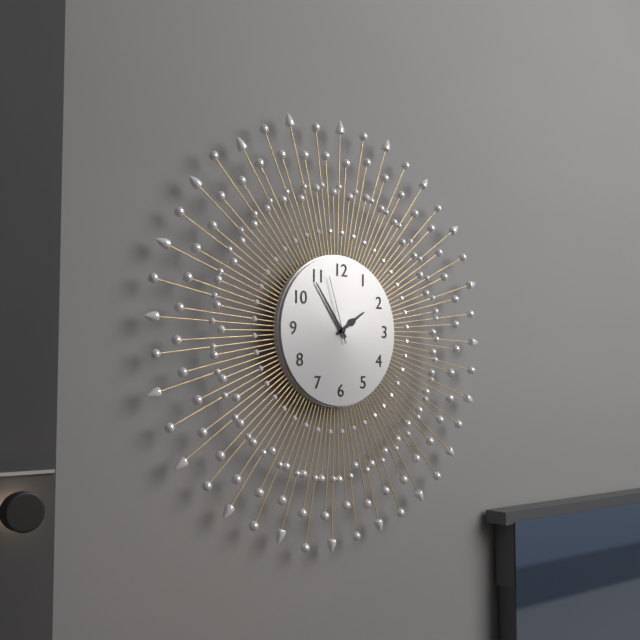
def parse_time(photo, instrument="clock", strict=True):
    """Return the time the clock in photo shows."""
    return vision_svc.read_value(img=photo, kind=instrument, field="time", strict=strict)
1:54:57
